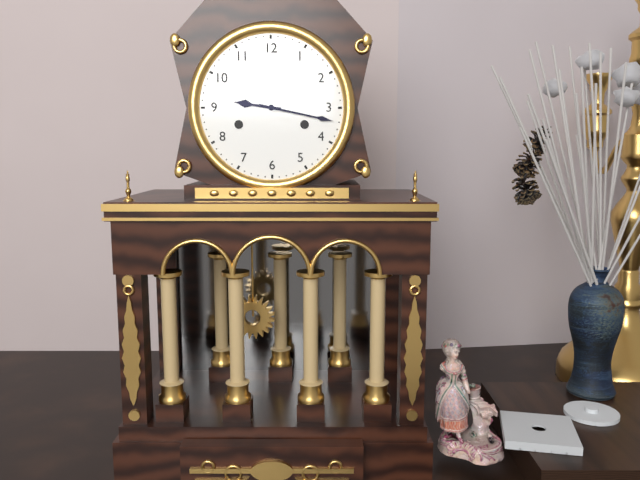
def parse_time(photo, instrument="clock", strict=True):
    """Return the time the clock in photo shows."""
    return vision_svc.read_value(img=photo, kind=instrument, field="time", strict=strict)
9:17
